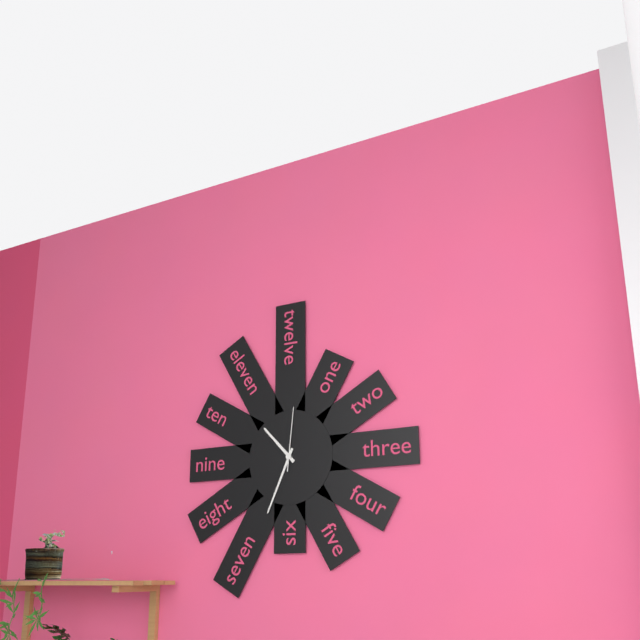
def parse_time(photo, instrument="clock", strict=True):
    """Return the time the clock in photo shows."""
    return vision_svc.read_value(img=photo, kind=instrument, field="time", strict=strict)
10:34:01
